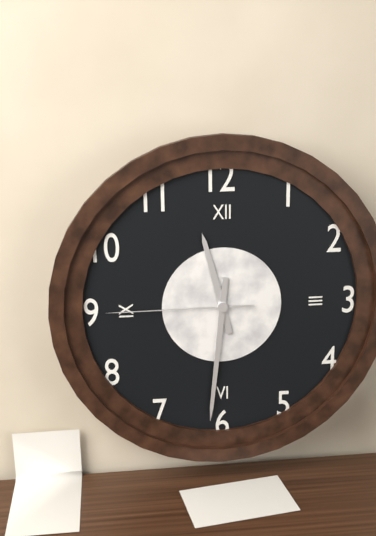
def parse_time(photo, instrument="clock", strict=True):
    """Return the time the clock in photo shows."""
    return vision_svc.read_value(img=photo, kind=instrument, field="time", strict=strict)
11:31:45
